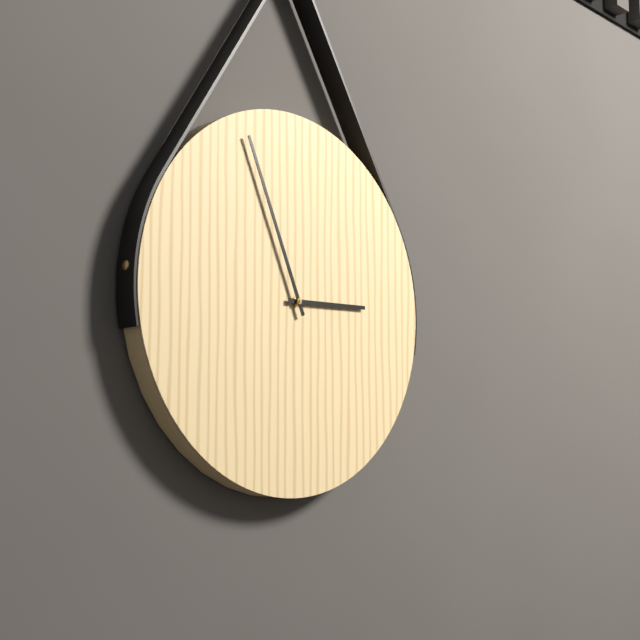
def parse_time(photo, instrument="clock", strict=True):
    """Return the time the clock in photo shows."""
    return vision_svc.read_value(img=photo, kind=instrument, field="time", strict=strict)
2:56
